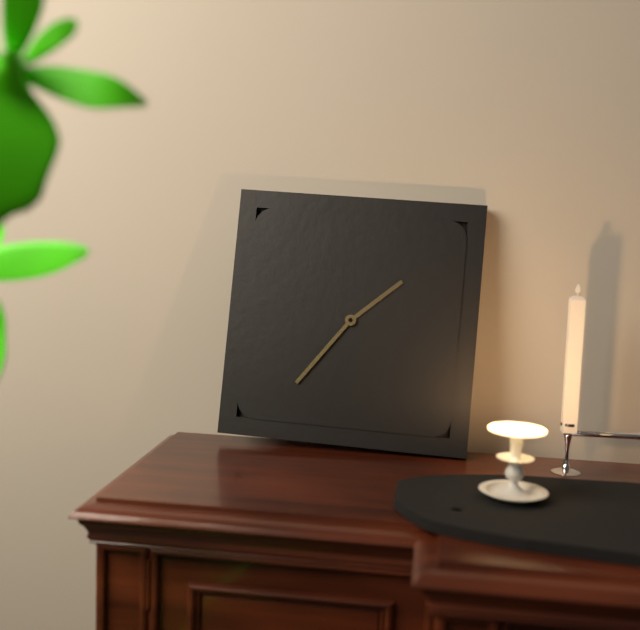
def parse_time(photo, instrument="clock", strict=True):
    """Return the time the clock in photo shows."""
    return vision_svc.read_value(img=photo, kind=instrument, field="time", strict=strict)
1:36
